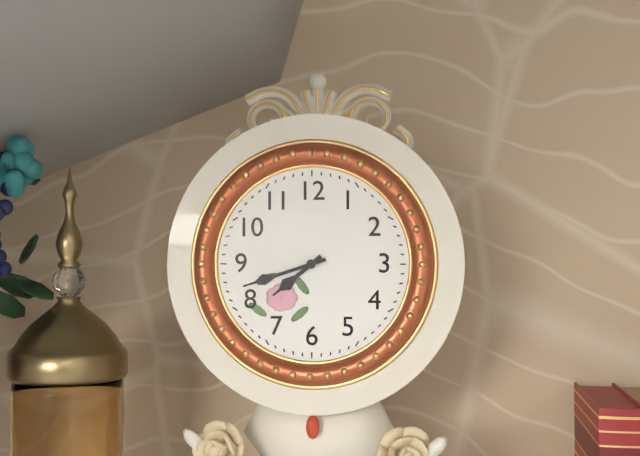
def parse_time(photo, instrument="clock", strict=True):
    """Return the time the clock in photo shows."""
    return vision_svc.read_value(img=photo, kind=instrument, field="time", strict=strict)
7:42
